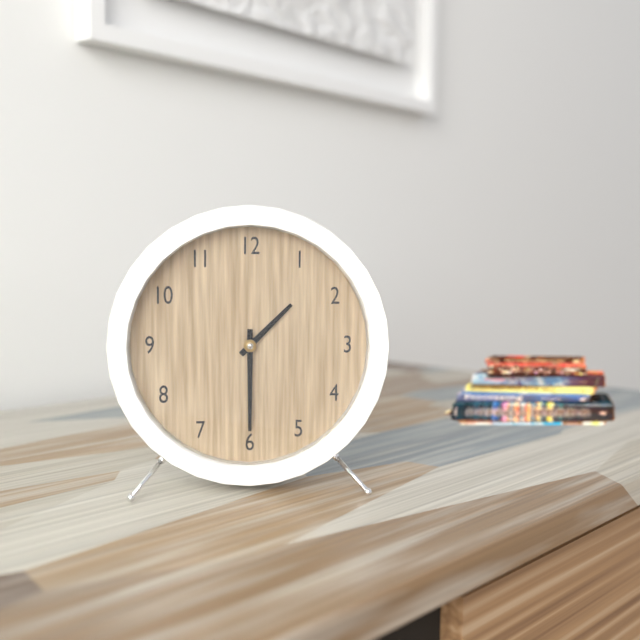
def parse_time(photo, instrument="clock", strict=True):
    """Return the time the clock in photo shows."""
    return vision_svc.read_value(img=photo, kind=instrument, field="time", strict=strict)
1:30
